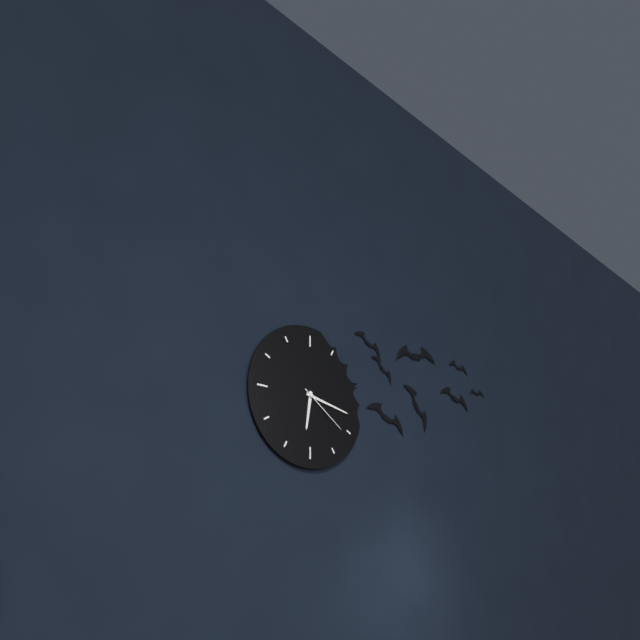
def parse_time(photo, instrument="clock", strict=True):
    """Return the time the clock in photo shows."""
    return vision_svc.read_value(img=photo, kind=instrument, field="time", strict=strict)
6:17:21
